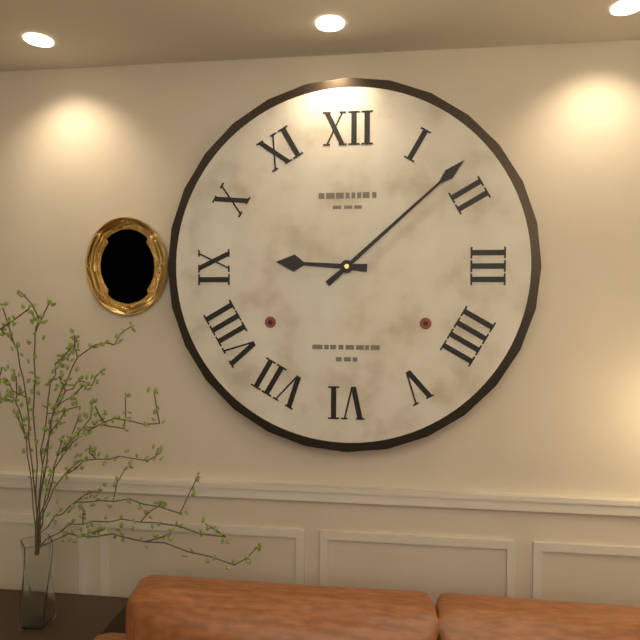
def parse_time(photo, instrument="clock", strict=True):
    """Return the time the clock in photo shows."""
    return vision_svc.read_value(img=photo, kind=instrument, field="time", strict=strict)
9:08
